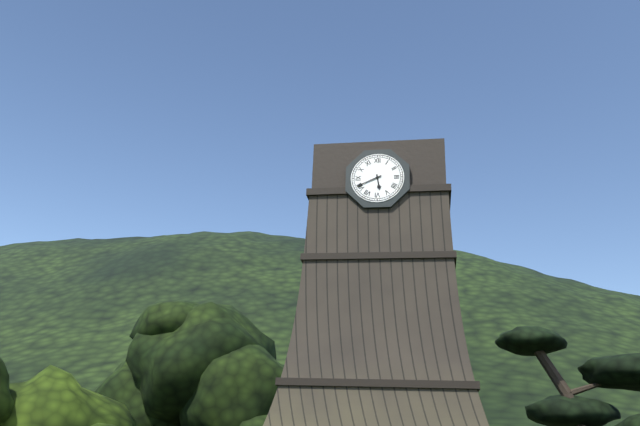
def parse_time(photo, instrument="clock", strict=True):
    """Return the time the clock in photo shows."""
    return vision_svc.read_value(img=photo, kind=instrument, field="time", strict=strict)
5:41
